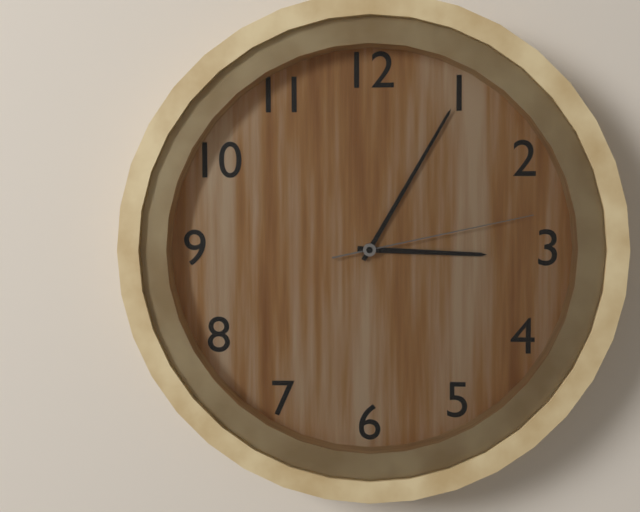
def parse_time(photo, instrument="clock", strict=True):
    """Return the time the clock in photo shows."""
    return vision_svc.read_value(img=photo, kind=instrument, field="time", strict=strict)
3:05:13
